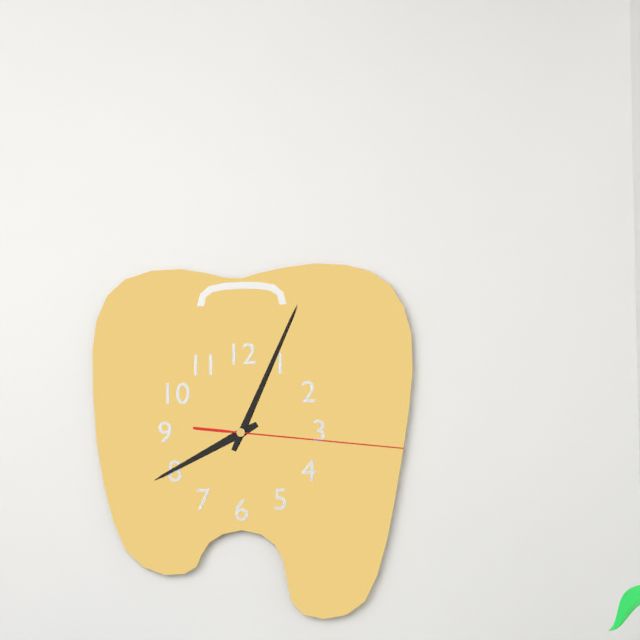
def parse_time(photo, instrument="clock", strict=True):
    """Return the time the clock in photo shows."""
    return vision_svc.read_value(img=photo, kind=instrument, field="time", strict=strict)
8:04:16
